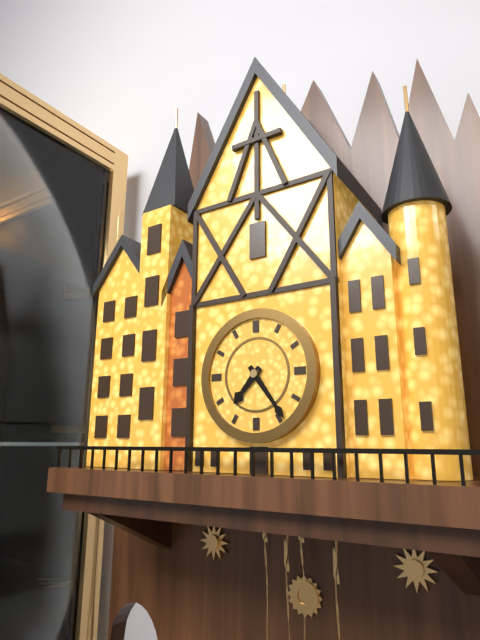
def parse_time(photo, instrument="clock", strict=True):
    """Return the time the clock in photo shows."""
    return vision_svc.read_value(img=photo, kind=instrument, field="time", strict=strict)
7:24
